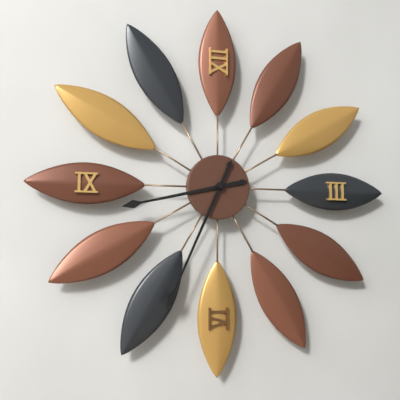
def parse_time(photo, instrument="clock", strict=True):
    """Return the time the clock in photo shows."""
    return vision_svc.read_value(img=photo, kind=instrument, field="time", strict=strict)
8:34
